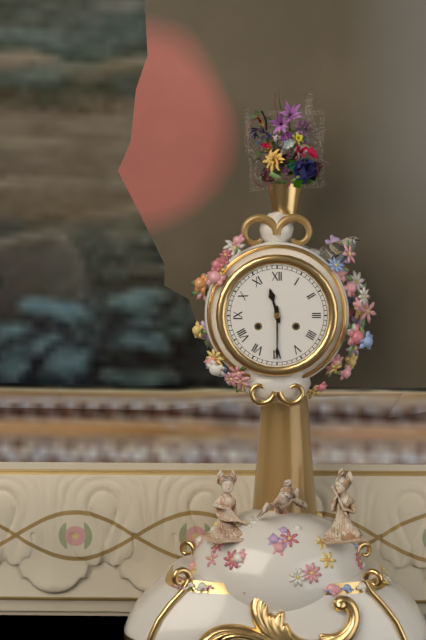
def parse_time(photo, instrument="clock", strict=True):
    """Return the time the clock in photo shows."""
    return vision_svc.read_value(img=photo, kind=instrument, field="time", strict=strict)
11:30
